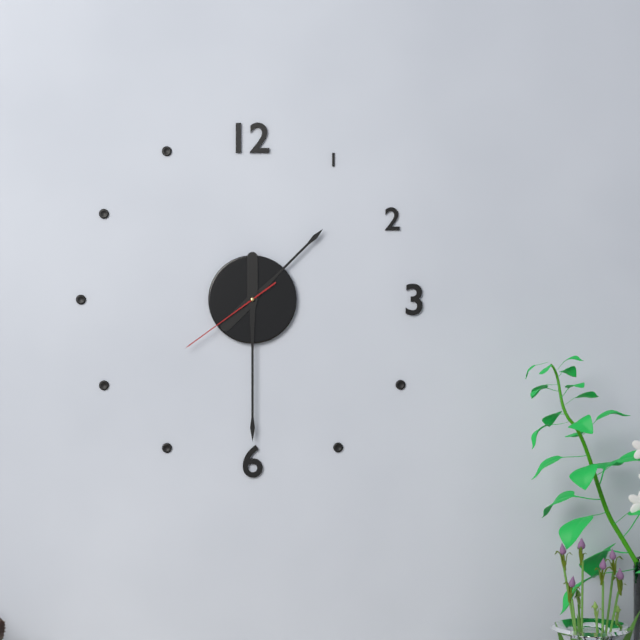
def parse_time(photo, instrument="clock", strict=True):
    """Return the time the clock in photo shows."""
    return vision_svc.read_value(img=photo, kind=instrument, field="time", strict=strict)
1:30:39
